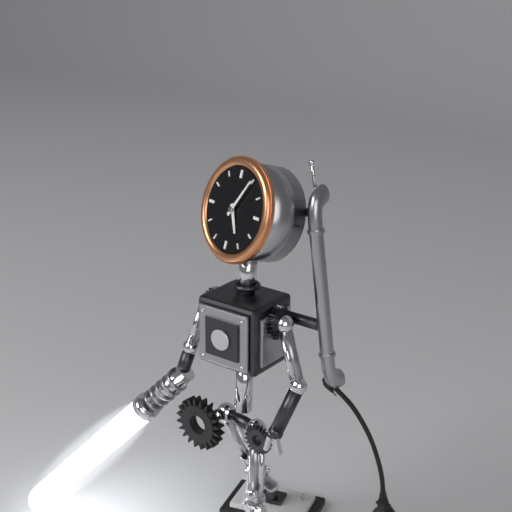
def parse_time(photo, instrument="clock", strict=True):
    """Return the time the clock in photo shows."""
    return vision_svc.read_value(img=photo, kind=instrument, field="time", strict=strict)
5:05
